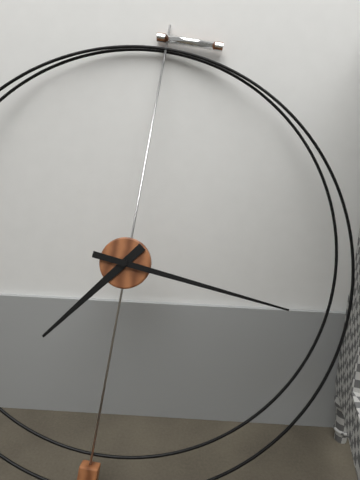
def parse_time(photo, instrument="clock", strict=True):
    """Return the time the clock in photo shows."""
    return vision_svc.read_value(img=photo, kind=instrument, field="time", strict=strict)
7:16
